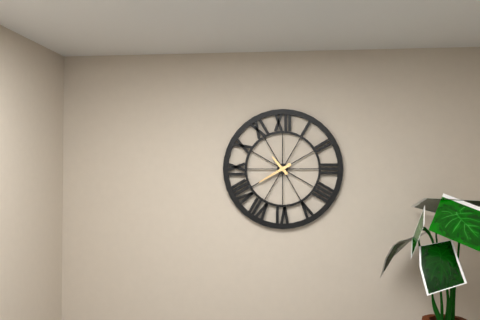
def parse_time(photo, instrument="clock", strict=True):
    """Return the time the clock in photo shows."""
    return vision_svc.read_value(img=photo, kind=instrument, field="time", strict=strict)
10:40
